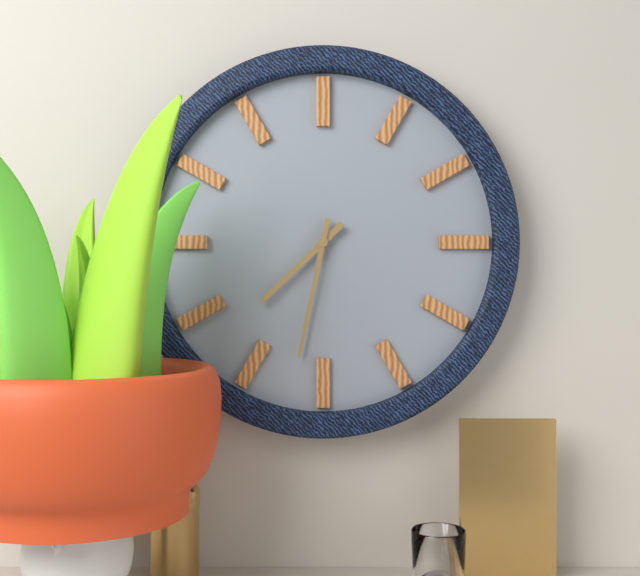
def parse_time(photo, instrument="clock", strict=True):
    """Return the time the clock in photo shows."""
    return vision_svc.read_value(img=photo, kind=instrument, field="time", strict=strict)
7:32
